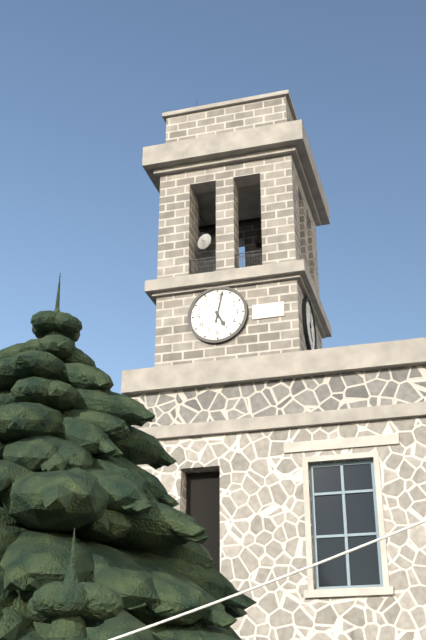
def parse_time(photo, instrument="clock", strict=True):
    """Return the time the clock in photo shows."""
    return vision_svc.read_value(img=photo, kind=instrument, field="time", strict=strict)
5:02
